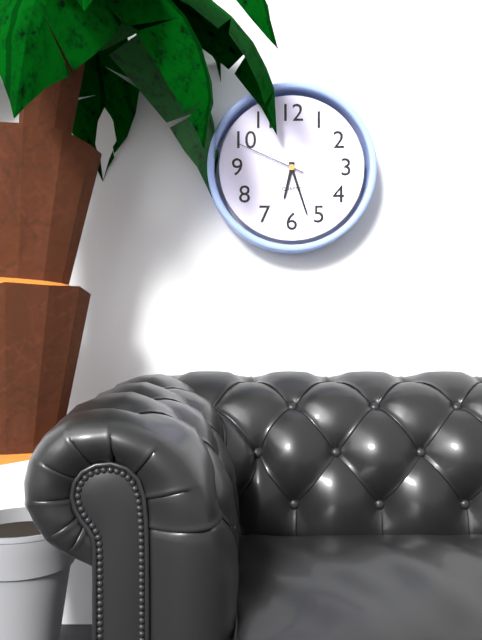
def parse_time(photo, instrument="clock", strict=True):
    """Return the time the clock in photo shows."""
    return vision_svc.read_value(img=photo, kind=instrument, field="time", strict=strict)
6:27:49
